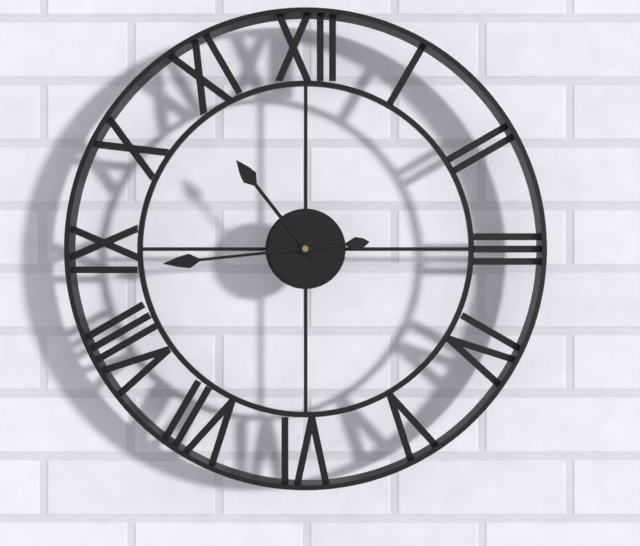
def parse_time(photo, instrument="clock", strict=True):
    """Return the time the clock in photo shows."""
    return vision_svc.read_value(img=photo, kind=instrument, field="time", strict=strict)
10:44
